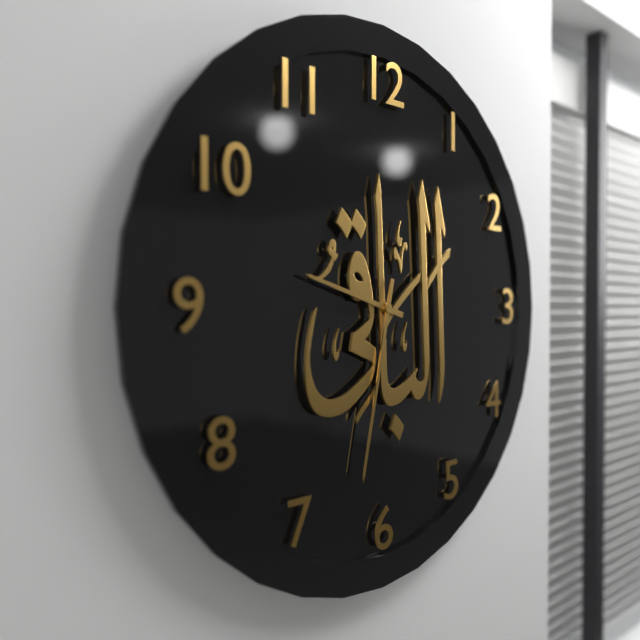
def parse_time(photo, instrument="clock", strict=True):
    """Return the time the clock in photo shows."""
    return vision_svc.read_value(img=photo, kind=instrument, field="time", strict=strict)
9:32
